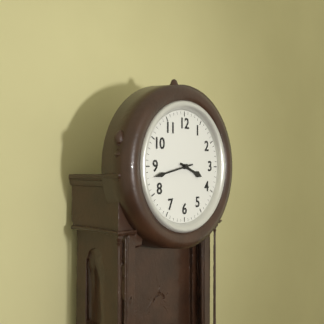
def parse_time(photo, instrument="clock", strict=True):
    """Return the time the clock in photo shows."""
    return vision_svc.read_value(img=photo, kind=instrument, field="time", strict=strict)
3:43
